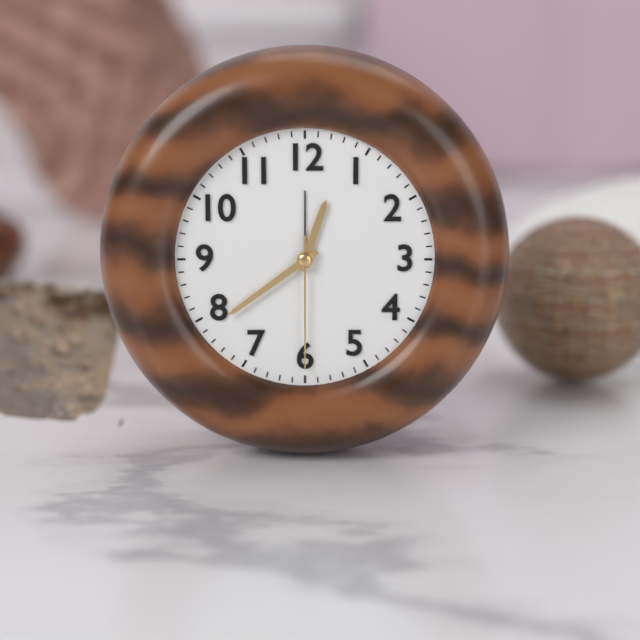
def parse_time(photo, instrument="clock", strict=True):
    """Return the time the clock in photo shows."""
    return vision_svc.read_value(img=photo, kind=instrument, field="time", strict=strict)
12:39:30
